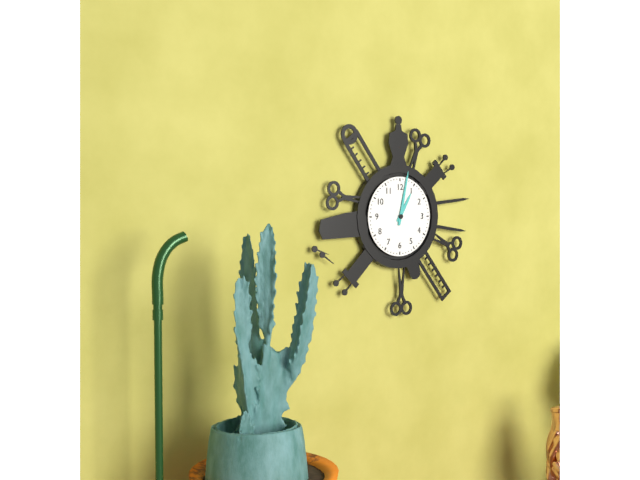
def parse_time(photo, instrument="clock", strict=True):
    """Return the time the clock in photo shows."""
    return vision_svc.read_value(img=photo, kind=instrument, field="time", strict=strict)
1:02
